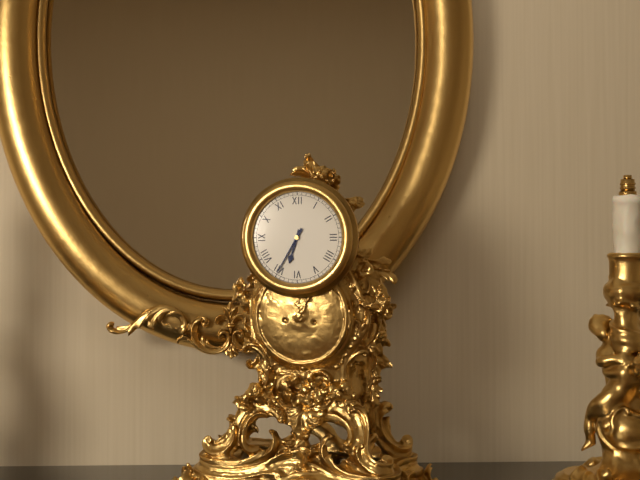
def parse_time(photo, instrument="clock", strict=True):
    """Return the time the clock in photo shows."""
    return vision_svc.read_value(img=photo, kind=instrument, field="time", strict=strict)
6:35
